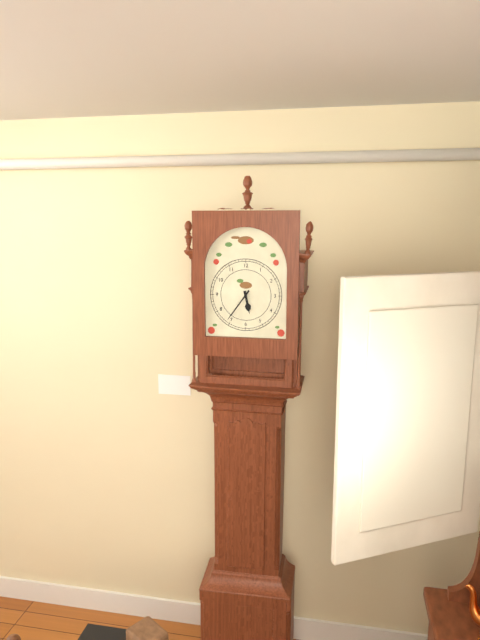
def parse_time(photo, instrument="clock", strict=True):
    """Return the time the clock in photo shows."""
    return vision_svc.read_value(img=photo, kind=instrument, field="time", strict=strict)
5:36
